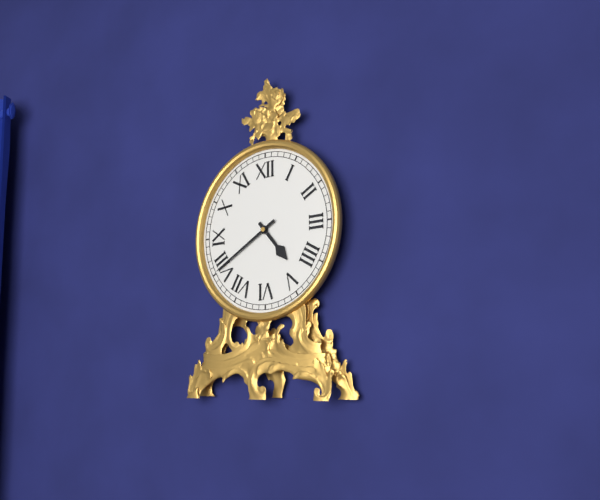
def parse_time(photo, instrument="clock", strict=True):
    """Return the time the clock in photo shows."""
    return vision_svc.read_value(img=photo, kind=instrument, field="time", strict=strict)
4:40
